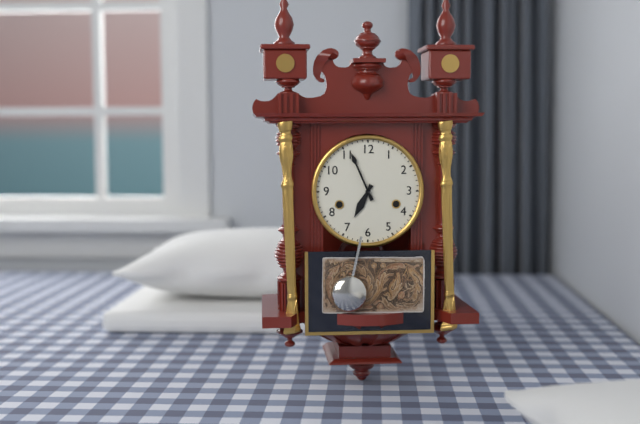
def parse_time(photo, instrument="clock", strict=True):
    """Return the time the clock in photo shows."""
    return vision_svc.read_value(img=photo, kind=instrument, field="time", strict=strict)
6:56
